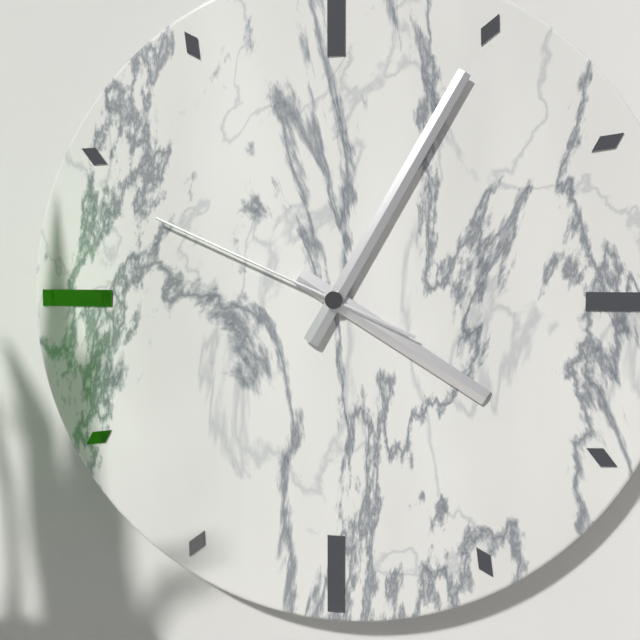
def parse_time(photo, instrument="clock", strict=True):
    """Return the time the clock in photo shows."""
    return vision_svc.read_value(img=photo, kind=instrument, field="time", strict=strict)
4:05:49
